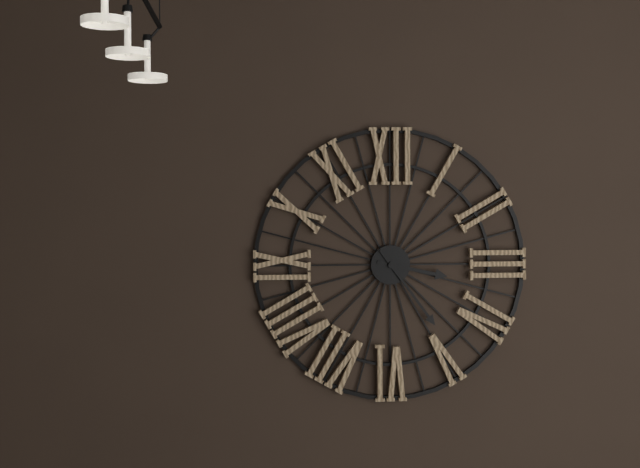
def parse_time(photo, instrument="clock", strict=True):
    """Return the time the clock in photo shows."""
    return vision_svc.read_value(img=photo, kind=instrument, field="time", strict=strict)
3:24
